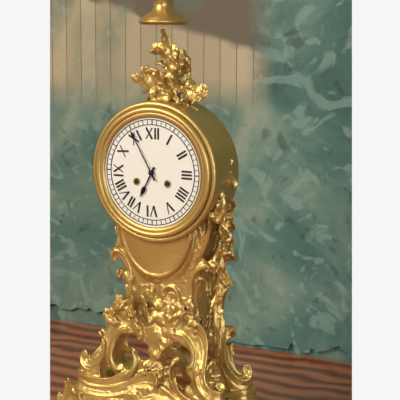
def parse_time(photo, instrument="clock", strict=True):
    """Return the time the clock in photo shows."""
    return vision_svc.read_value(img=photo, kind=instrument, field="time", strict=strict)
6:55
